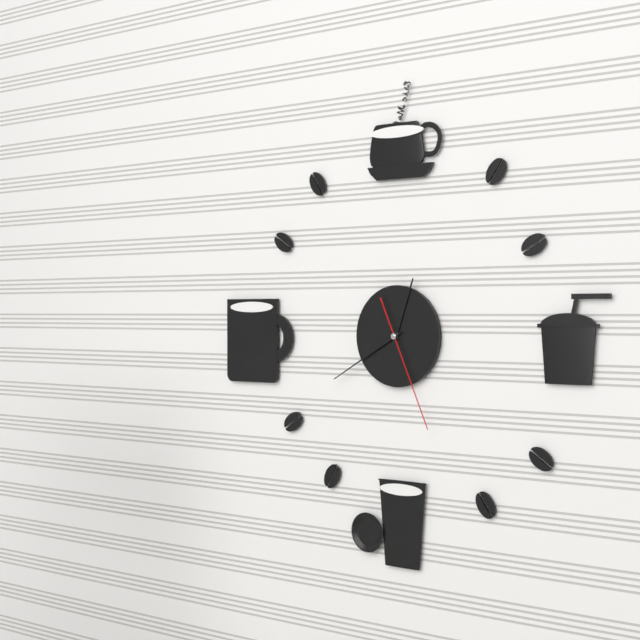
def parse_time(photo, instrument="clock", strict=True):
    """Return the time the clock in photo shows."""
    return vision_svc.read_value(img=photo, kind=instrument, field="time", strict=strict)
12:40:26
